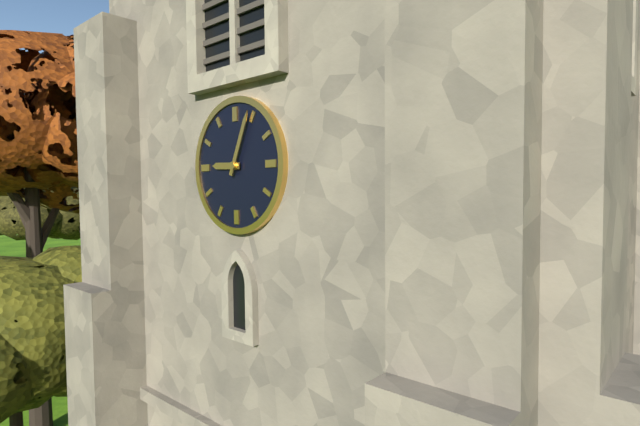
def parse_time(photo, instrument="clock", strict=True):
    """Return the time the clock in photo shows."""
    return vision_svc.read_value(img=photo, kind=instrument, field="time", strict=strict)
9:04
